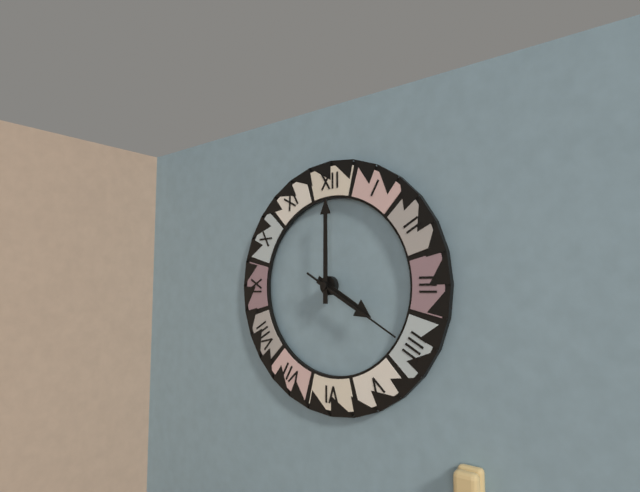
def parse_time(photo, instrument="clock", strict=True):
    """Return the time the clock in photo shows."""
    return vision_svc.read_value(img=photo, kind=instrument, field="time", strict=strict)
4:00:20
